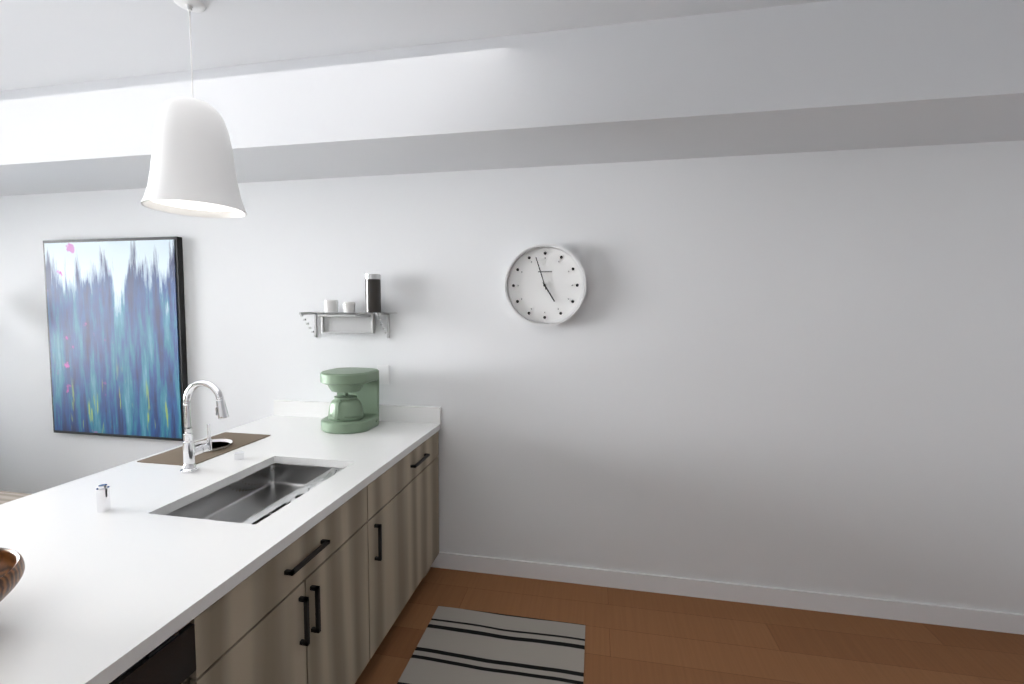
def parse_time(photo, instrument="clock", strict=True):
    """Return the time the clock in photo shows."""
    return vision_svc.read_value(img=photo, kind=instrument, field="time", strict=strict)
4:57
